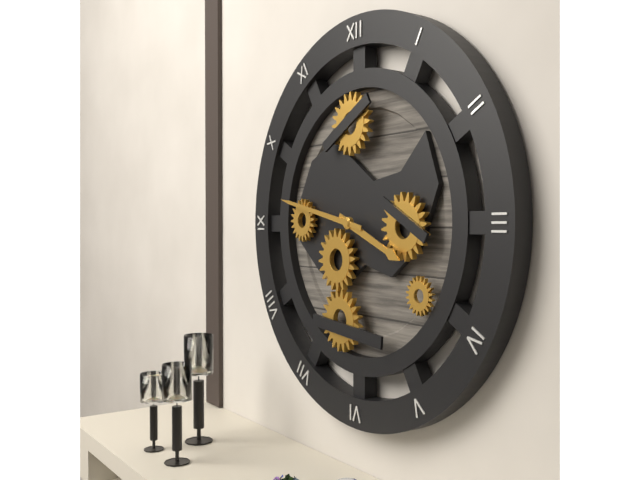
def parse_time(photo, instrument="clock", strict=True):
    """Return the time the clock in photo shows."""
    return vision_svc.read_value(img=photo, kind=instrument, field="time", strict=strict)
3:47
